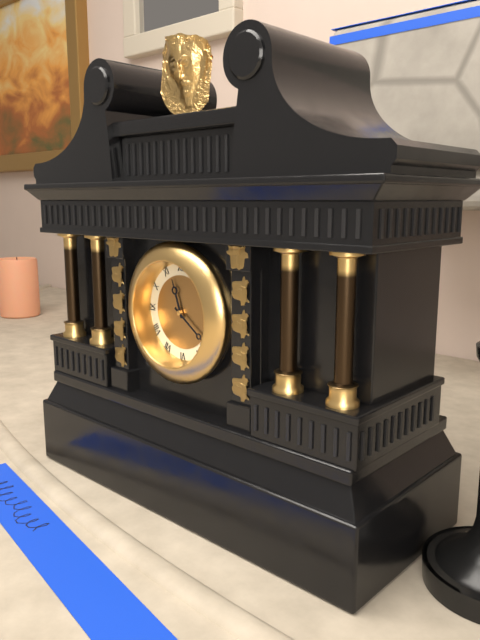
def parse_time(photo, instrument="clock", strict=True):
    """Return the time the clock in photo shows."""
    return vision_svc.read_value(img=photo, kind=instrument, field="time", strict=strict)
11:21
